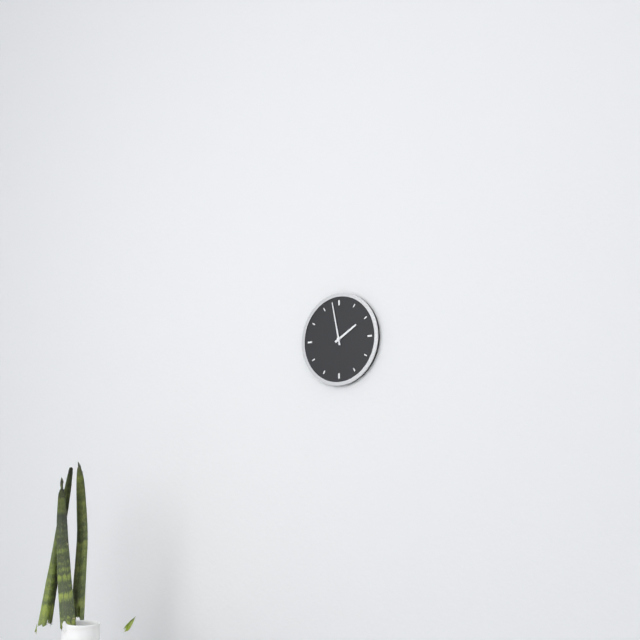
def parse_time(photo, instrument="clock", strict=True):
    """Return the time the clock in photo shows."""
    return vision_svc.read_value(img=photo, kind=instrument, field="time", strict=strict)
1:58
